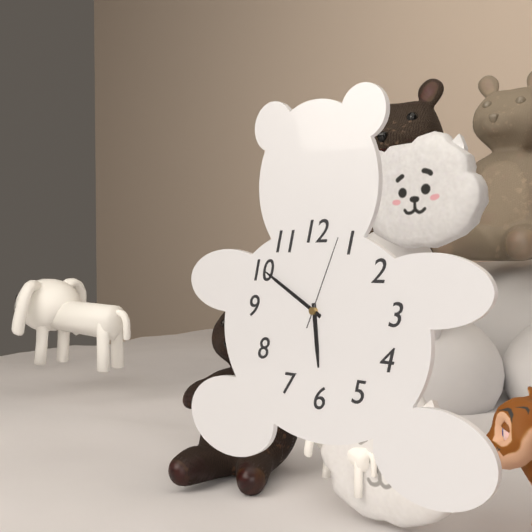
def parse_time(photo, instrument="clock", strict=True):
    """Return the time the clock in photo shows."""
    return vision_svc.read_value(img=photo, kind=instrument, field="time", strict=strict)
5:50:04
